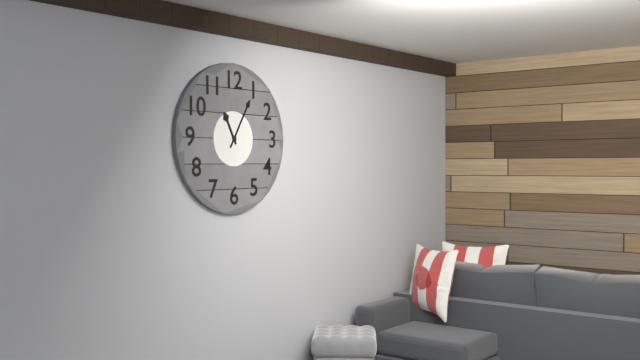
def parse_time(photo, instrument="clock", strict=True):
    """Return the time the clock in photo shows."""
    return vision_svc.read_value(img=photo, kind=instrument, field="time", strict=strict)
11:05
